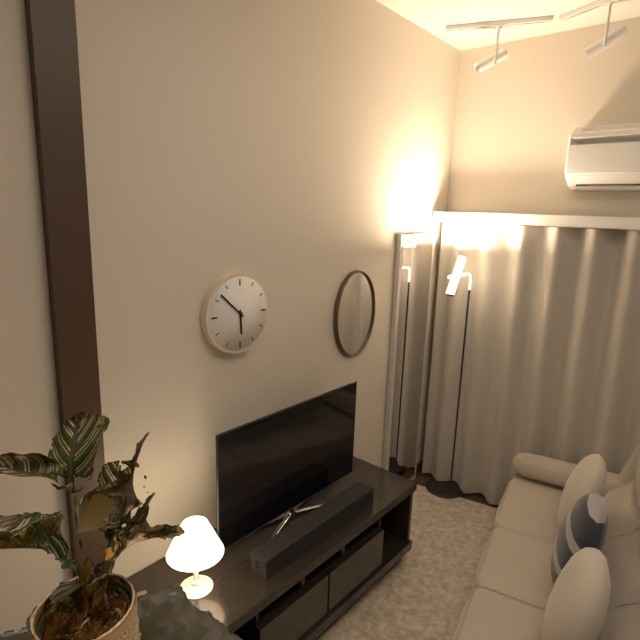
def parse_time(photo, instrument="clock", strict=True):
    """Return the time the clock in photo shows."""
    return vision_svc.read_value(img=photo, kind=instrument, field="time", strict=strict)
5:52
